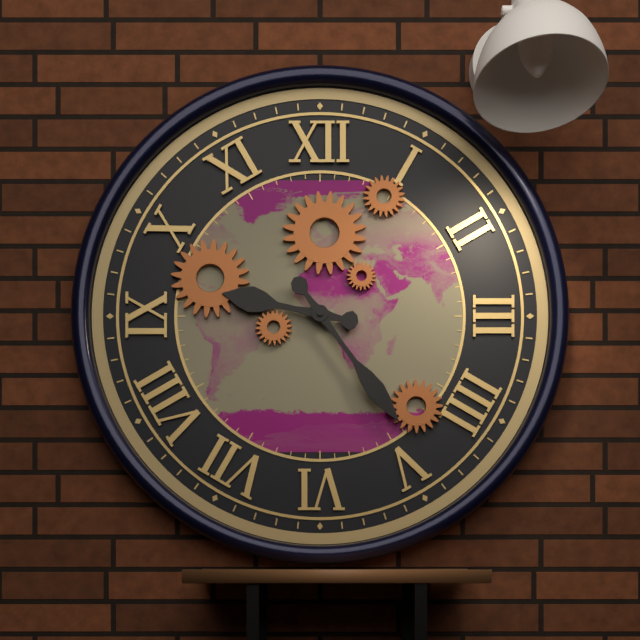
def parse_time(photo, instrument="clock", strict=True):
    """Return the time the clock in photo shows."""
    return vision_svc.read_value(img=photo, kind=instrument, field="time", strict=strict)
9:24
